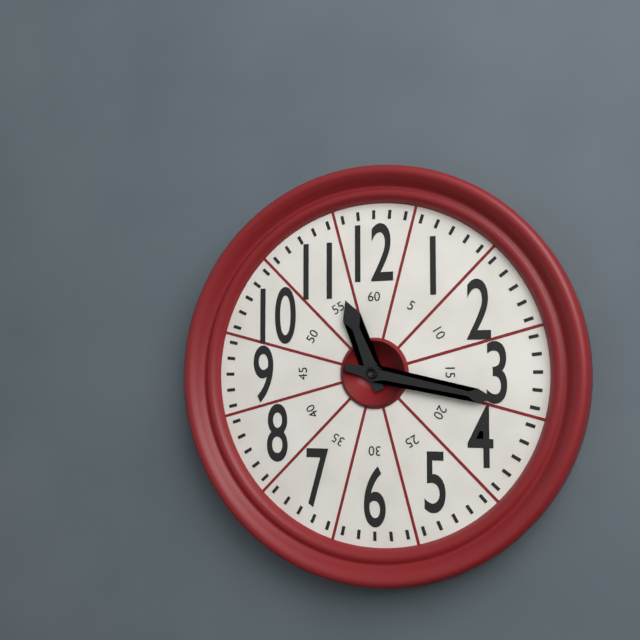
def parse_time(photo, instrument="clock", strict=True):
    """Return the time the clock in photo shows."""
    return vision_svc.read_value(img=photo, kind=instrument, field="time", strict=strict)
11:17
